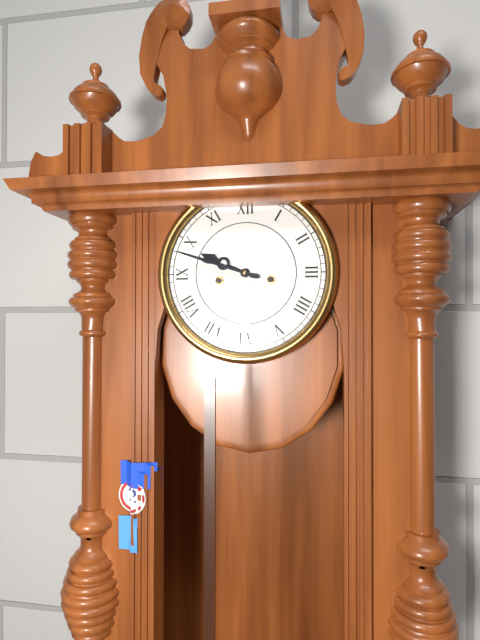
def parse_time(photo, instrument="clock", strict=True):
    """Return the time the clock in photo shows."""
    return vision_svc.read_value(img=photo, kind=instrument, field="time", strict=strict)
9:48
